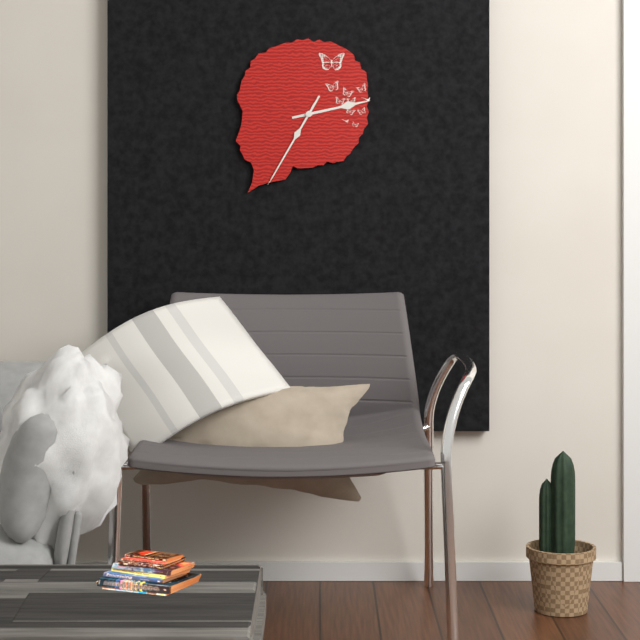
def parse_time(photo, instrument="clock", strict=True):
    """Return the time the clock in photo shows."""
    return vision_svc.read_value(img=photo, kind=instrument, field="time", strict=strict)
2:35
